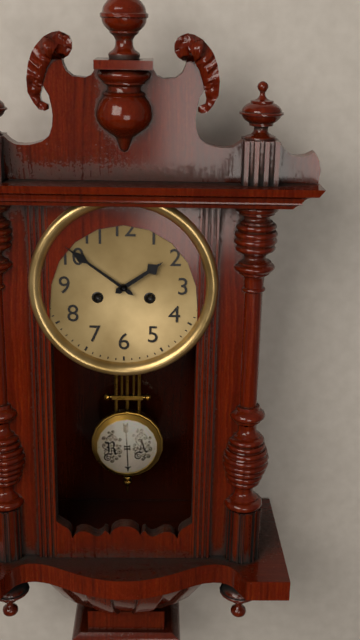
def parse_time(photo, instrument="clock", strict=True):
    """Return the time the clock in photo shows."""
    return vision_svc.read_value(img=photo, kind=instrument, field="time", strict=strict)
1:51
